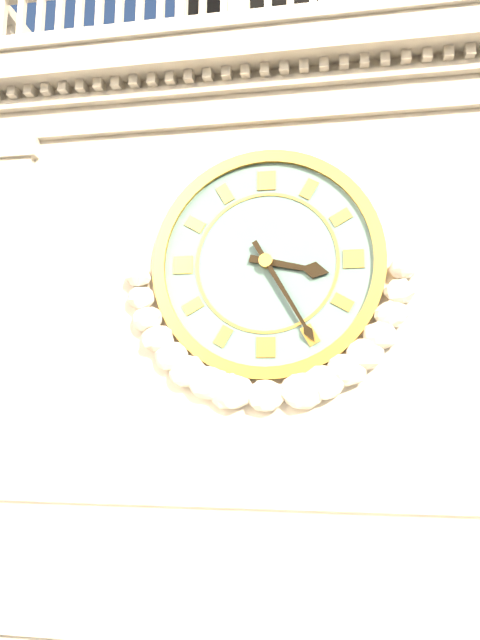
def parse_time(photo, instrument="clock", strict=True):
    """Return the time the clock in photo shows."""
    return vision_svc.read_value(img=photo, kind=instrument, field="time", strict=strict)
3:25
